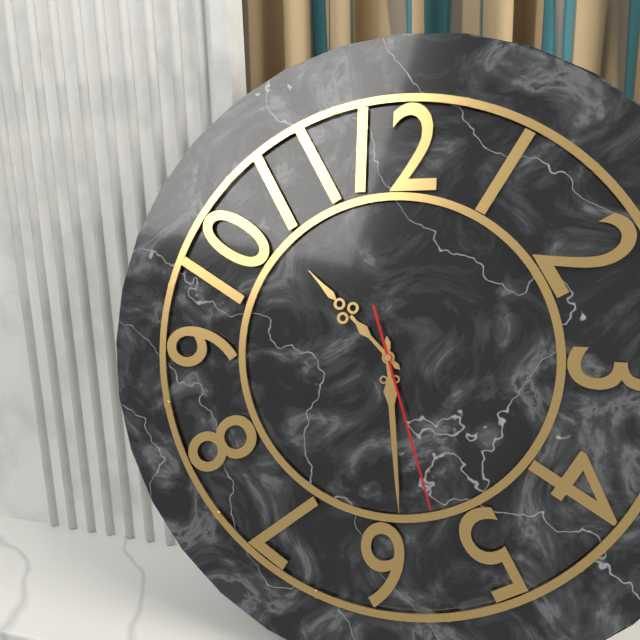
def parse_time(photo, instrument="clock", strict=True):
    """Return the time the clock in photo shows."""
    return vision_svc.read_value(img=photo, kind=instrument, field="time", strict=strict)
10:29:27
